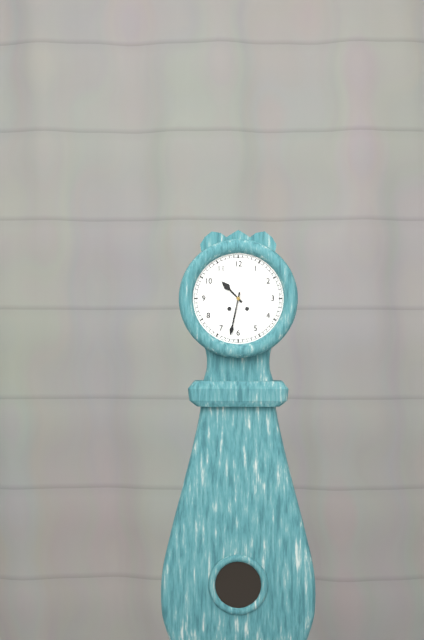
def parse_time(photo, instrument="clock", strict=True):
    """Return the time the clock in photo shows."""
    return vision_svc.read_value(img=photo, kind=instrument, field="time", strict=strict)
10:32
